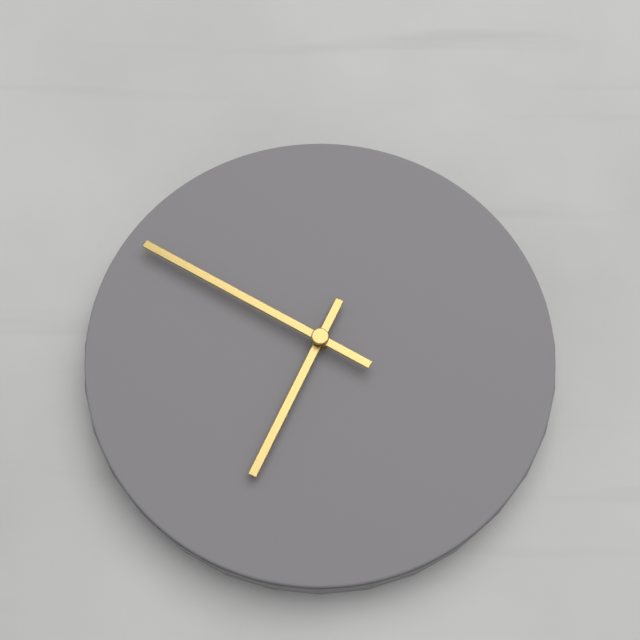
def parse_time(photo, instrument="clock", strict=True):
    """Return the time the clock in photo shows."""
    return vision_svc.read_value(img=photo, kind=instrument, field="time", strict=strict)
6:50
